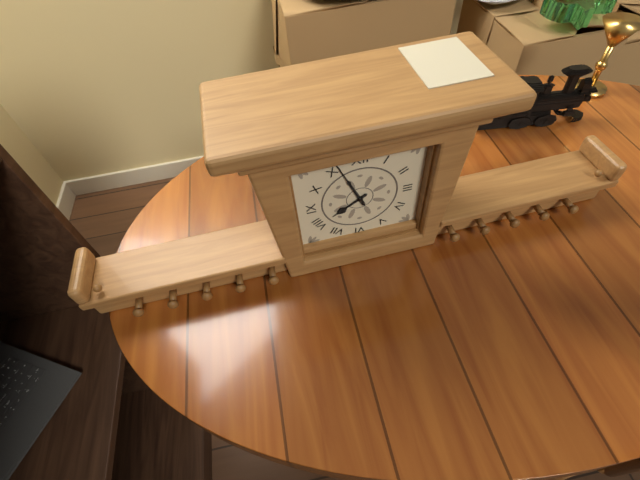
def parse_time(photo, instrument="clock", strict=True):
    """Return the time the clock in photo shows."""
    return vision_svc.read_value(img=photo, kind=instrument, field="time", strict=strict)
7:56
